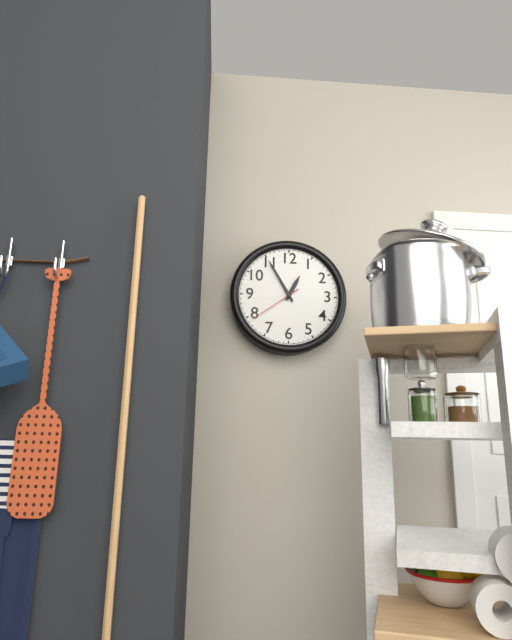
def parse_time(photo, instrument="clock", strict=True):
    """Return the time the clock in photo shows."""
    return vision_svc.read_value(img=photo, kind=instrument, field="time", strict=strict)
12:55:39
